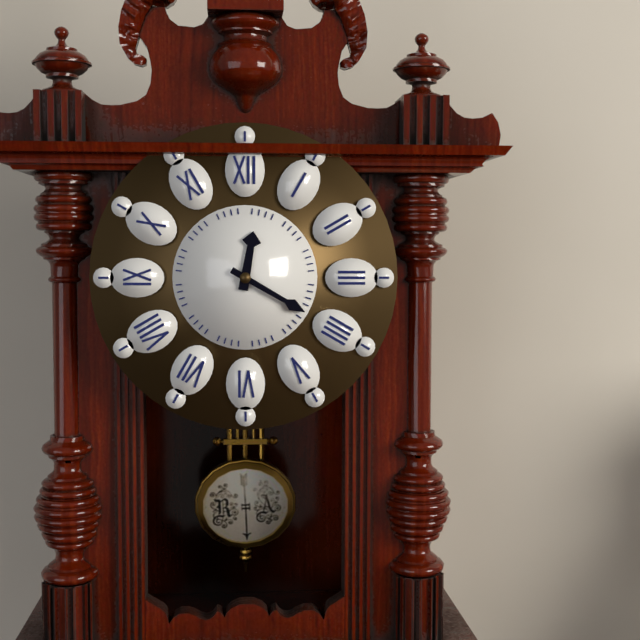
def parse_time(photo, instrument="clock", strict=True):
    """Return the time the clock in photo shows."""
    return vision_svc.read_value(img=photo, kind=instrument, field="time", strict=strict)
12:20
